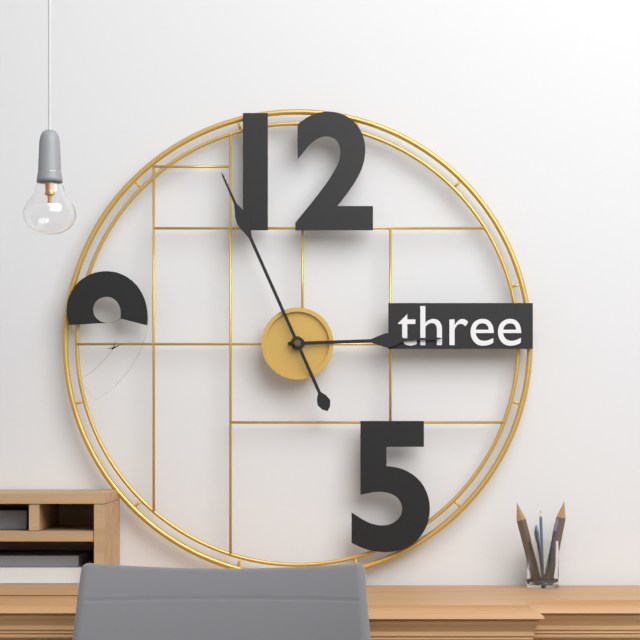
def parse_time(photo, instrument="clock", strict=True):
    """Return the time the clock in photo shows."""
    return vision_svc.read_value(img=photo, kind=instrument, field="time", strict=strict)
2:56
